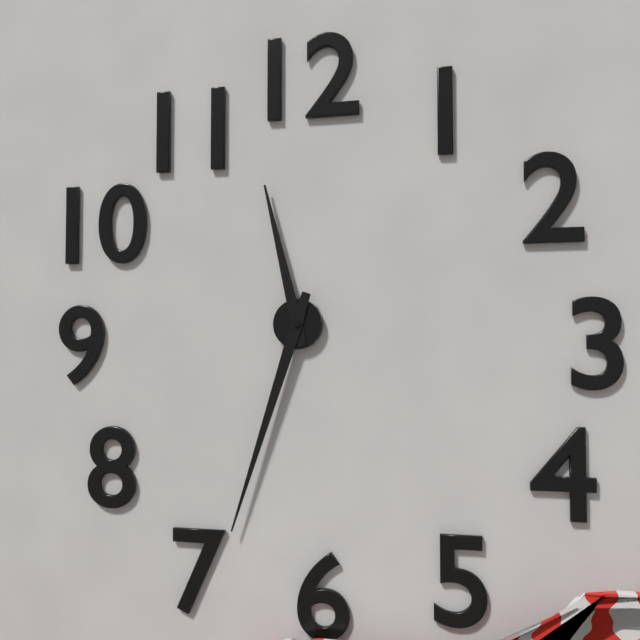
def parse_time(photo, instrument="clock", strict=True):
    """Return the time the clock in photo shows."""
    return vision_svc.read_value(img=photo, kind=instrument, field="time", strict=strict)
11:33
